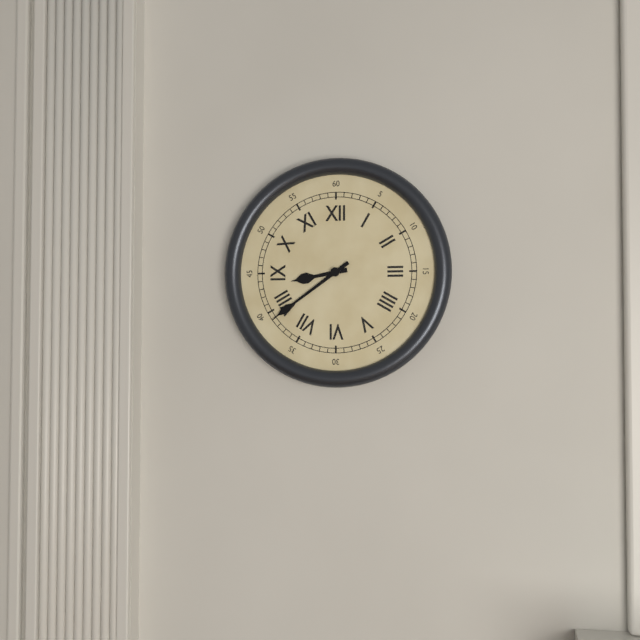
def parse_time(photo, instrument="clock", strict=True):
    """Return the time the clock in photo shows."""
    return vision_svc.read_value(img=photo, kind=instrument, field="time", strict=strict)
8:39
